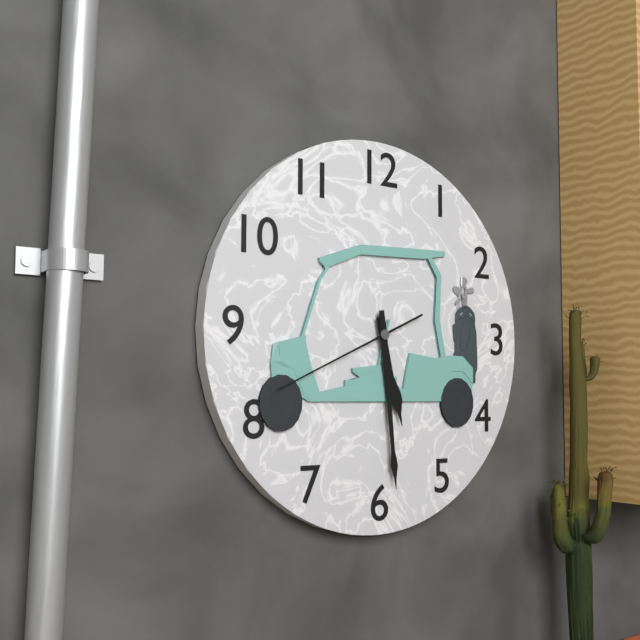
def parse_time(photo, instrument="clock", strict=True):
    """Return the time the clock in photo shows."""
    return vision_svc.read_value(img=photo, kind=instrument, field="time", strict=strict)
5:29:41
